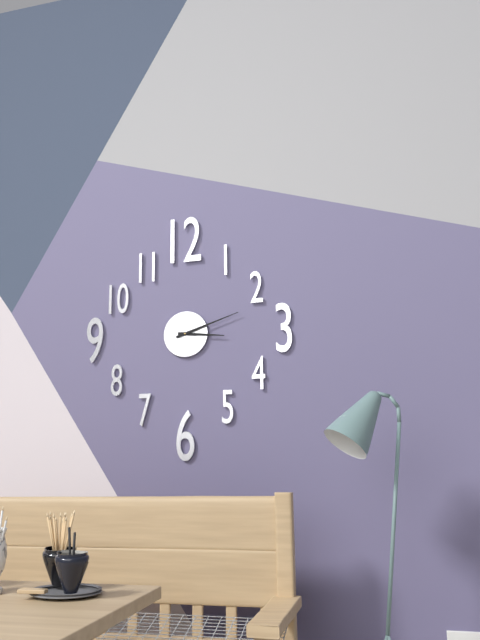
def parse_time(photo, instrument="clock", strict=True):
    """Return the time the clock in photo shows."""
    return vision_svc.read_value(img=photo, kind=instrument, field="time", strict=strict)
3:12
